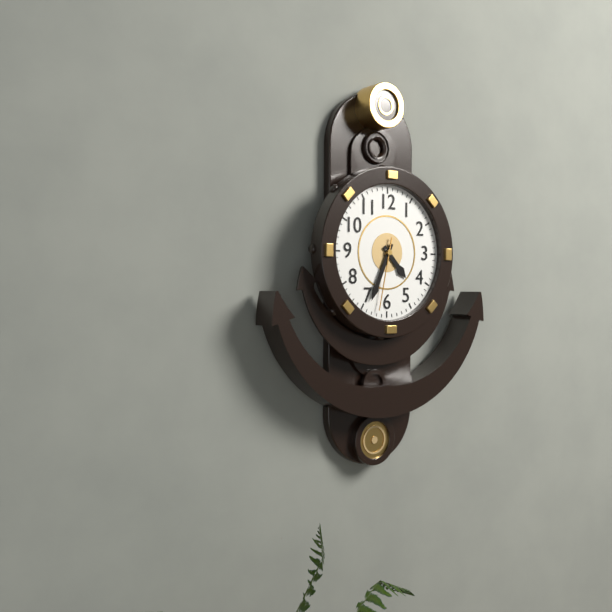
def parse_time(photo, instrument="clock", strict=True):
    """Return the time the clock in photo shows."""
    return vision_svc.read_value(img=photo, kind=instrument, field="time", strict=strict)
4:34:32
